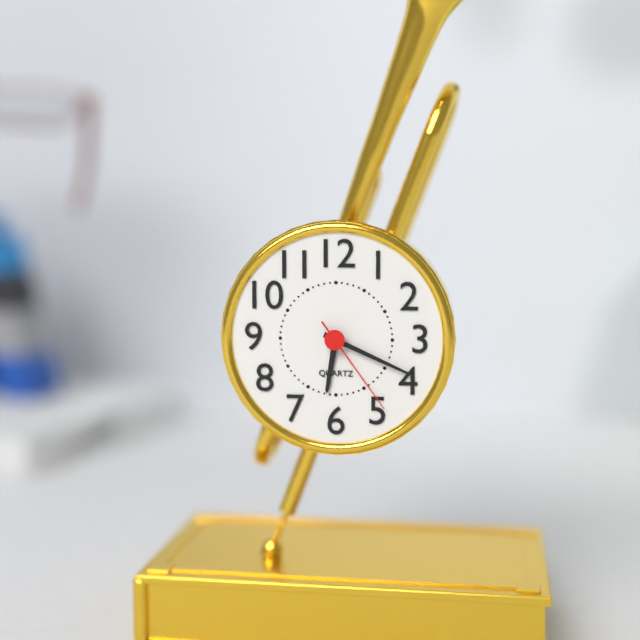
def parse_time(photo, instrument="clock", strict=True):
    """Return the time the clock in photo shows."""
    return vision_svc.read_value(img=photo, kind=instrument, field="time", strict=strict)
6:19:24
